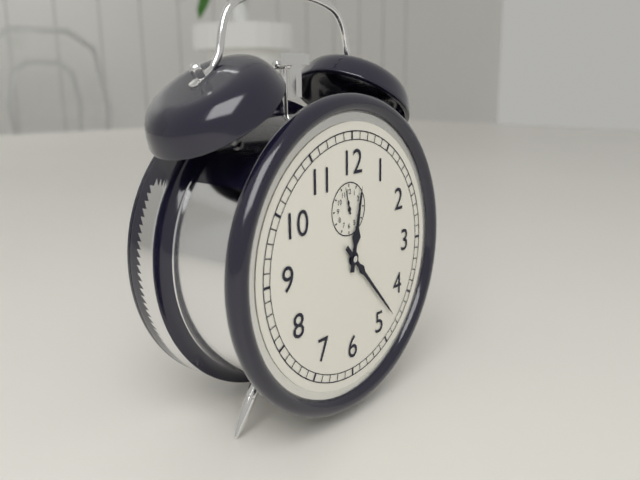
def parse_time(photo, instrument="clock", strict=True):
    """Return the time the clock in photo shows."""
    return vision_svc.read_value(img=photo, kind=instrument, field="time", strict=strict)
12:23
